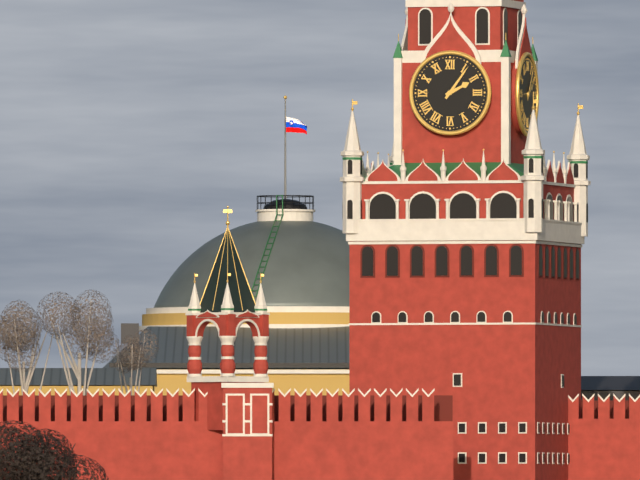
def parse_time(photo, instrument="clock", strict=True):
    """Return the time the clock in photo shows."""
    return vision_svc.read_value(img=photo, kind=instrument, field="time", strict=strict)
2:06
